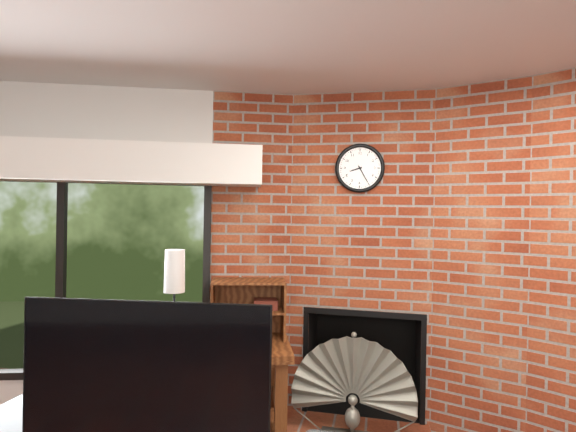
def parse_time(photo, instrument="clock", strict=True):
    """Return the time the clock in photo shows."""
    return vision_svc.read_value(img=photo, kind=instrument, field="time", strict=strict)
8:25
